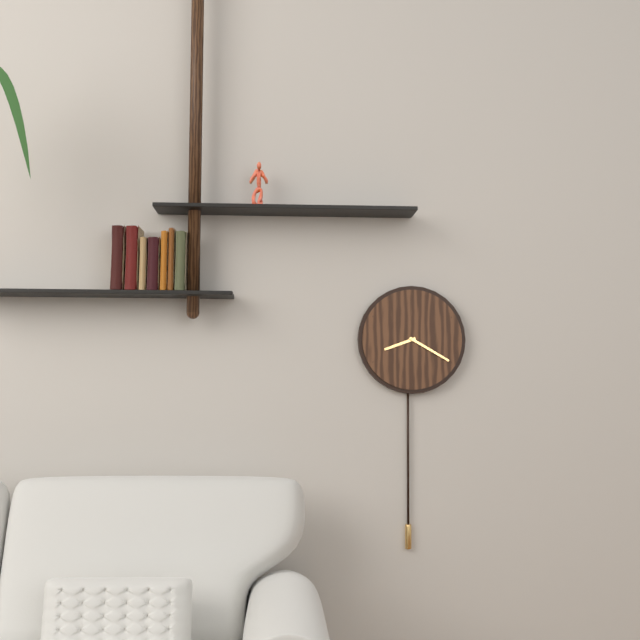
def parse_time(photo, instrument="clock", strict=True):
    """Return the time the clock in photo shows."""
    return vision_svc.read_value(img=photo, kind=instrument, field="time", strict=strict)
8:20
